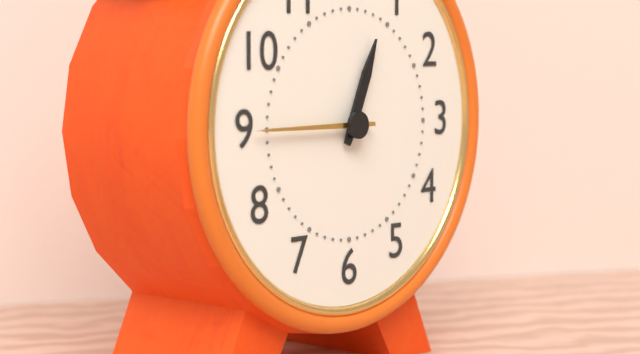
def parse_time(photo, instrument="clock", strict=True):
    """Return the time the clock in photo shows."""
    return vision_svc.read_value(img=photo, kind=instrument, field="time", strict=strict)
12:45
